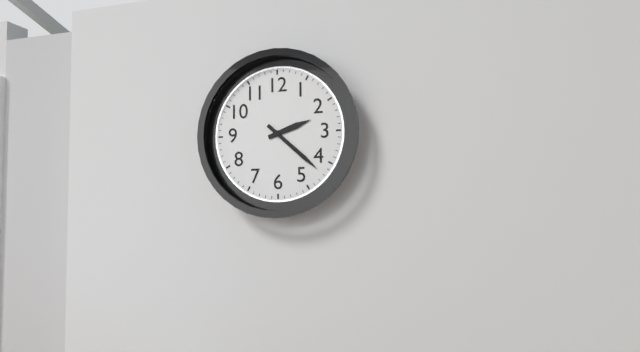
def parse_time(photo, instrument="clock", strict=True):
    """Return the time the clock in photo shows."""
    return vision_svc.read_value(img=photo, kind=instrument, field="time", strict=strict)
2:22
